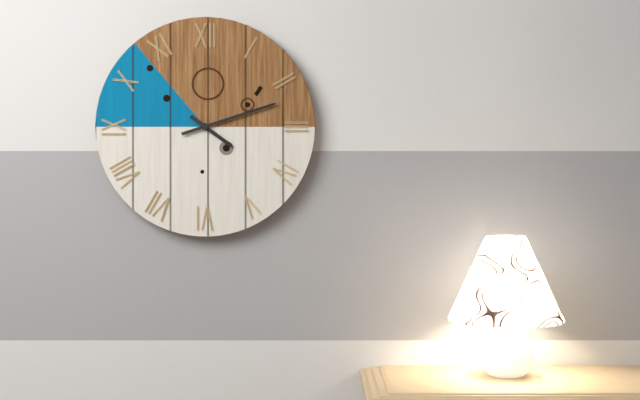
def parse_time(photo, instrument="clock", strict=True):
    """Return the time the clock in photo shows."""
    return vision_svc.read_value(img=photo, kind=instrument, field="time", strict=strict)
4:12
